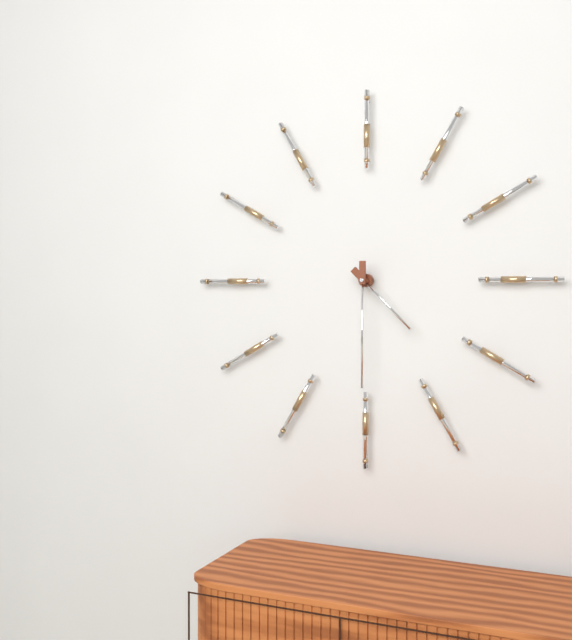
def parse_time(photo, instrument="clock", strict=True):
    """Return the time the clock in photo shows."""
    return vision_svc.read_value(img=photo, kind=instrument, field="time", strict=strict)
4:30
